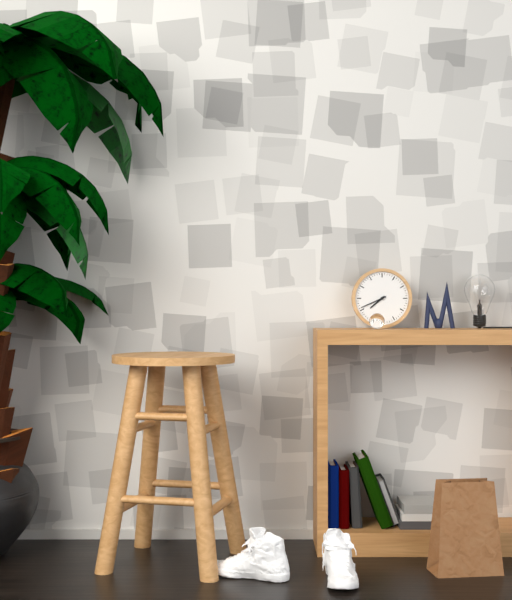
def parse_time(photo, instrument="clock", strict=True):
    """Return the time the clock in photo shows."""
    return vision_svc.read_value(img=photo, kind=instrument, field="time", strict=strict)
7:41
